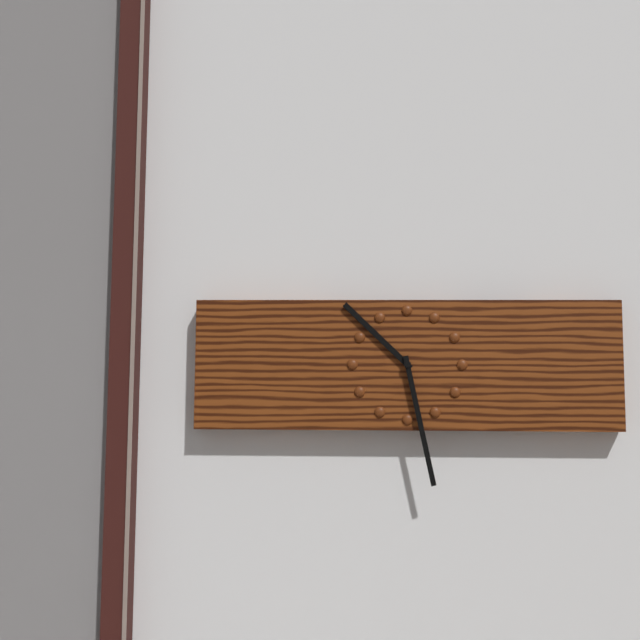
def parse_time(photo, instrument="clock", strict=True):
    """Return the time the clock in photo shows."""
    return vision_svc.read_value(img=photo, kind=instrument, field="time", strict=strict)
10:28
